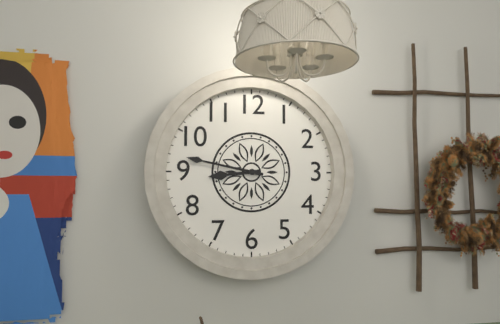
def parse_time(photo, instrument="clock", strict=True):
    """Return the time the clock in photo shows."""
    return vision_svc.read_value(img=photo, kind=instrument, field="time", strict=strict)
8:47
